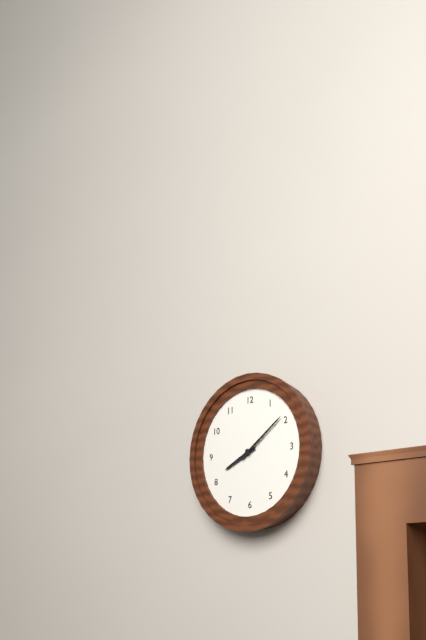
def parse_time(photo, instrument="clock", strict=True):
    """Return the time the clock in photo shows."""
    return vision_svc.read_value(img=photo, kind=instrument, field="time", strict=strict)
8:09
